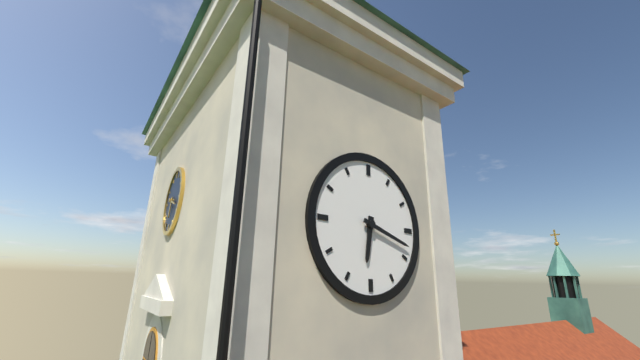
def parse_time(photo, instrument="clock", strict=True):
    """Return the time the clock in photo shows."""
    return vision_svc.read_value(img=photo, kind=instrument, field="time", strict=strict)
6:18
